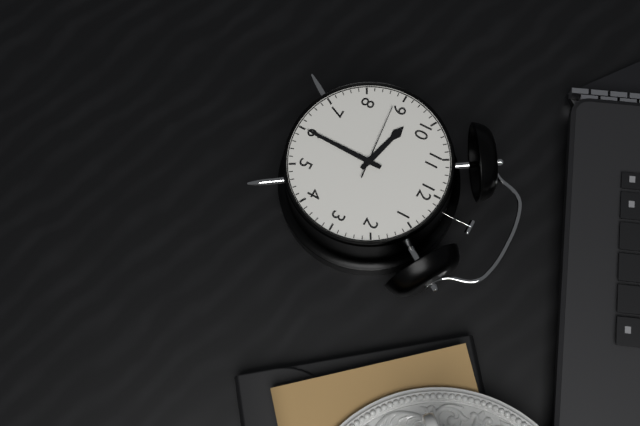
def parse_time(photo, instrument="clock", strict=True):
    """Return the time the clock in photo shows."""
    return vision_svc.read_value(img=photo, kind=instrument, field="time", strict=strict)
9:30:44
